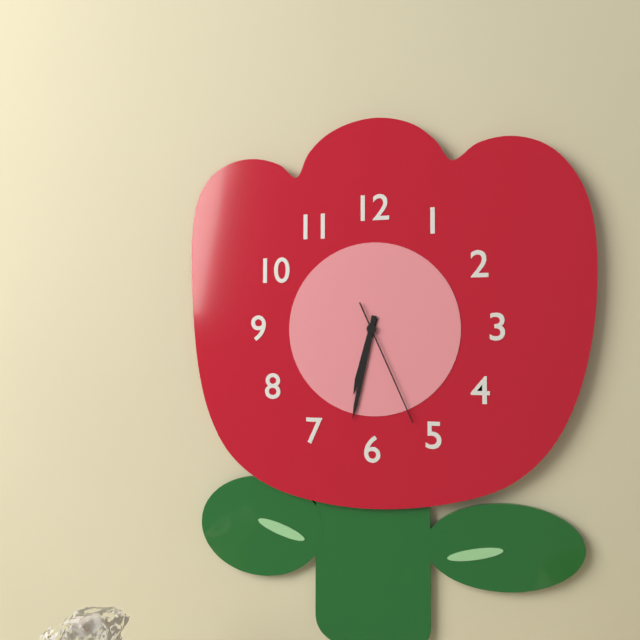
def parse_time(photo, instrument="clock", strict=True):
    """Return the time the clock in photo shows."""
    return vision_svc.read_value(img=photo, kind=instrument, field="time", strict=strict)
6:32:26
